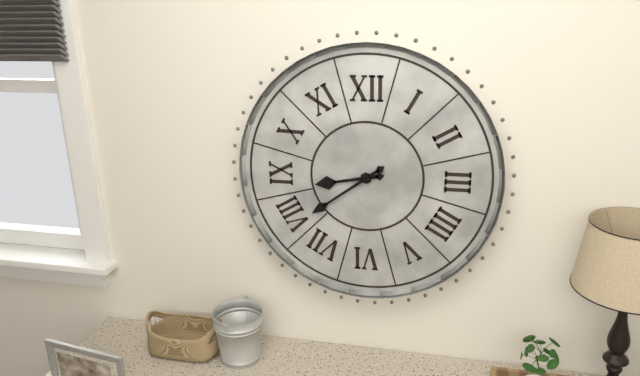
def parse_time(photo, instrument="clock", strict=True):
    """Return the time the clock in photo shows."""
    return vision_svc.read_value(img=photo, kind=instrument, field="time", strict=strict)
8:39
